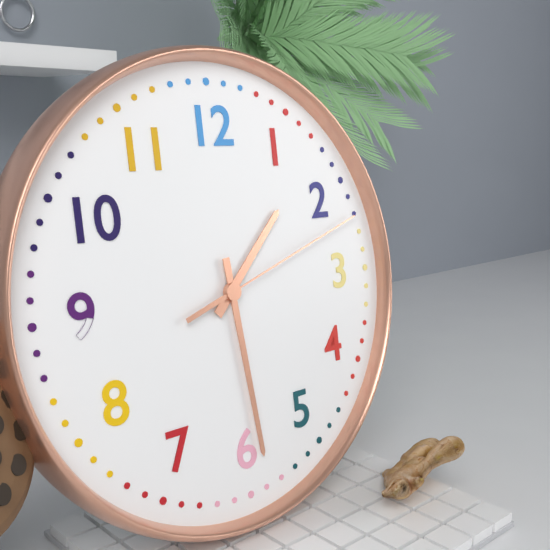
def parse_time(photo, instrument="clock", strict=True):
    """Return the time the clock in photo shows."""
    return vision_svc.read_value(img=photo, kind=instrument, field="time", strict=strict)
1:29:12
